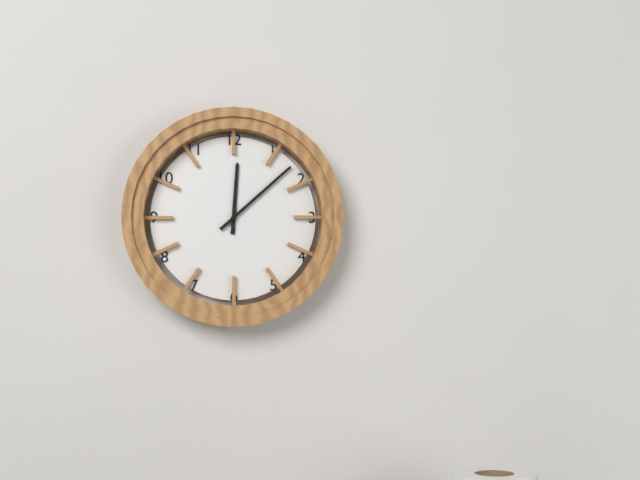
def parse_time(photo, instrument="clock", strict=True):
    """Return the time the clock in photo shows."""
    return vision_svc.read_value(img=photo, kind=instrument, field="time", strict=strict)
12:08
